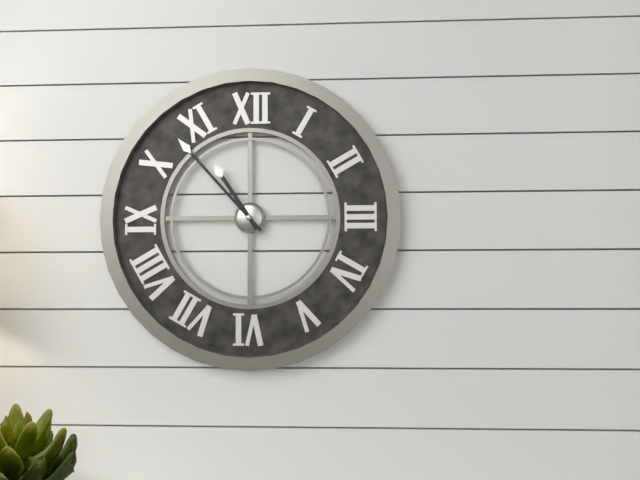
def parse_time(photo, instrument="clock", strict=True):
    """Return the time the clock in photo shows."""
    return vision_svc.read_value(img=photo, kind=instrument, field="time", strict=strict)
10:53
